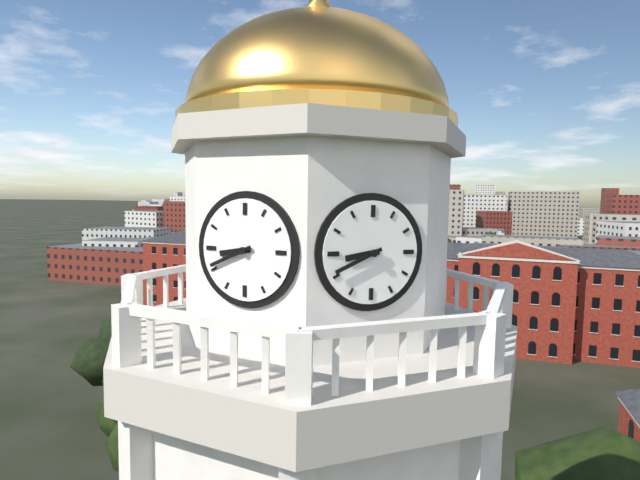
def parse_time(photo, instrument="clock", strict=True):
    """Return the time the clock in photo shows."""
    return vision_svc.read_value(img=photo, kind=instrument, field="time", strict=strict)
8:41
